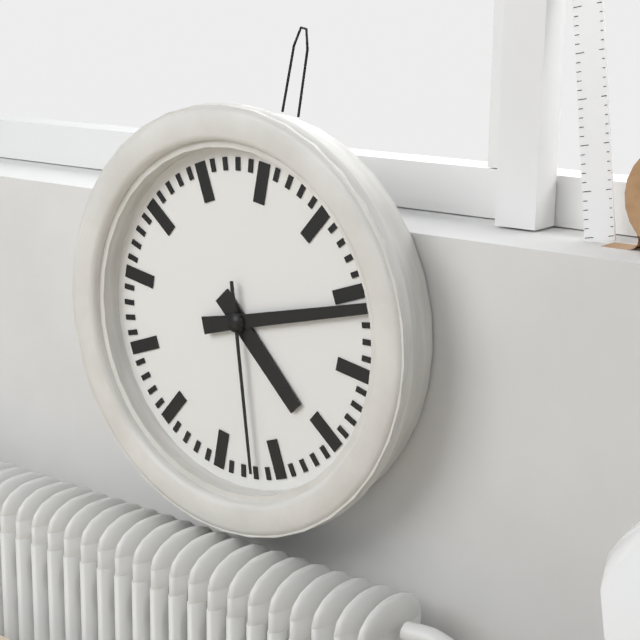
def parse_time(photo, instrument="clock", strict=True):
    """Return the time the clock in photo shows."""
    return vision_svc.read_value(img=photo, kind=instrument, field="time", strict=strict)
4:11:27
